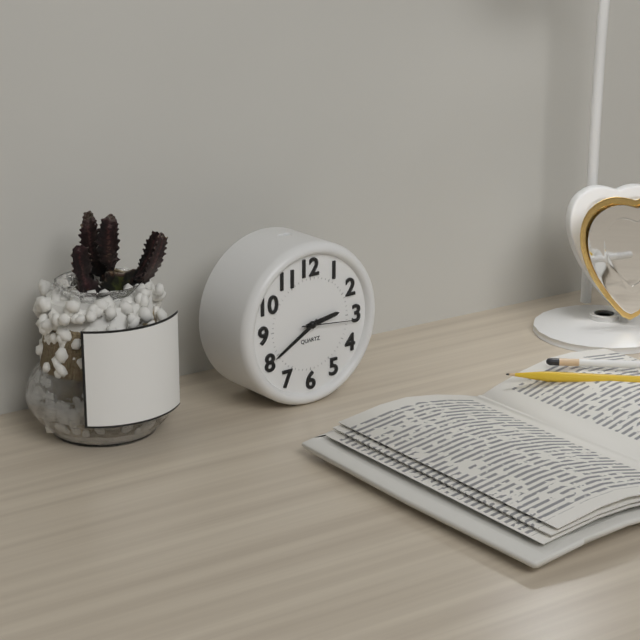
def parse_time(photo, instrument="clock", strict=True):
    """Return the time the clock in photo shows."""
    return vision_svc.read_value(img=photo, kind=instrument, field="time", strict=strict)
2:40:16
